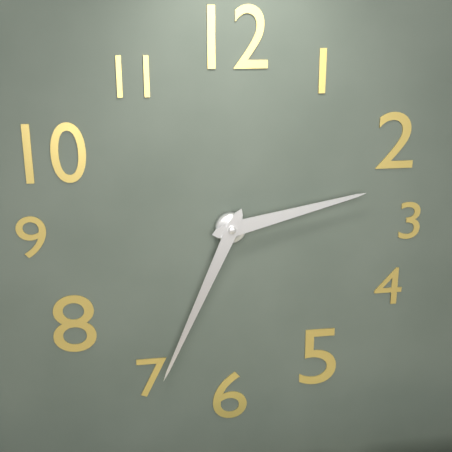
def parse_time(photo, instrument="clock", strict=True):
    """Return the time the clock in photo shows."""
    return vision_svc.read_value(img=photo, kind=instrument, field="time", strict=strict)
2:34
